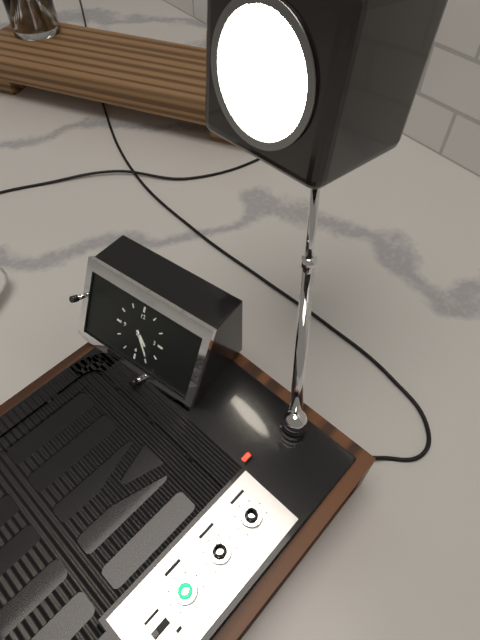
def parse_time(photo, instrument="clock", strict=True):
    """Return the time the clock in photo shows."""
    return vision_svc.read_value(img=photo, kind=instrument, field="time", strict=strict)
4:24
